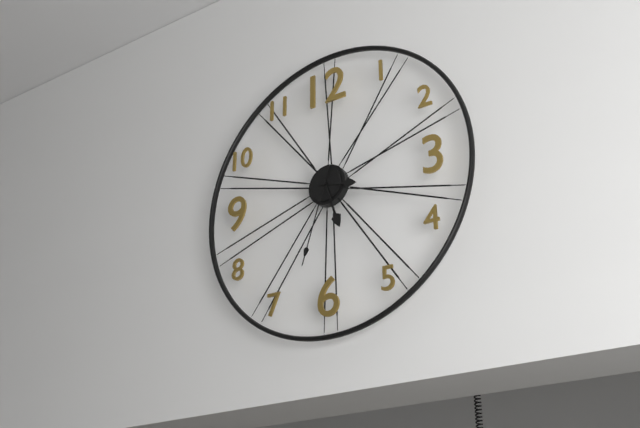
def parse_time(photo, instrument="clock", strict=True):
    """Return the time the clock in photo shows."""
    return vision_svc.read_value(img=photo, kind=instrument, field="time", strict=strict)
3:27:33
